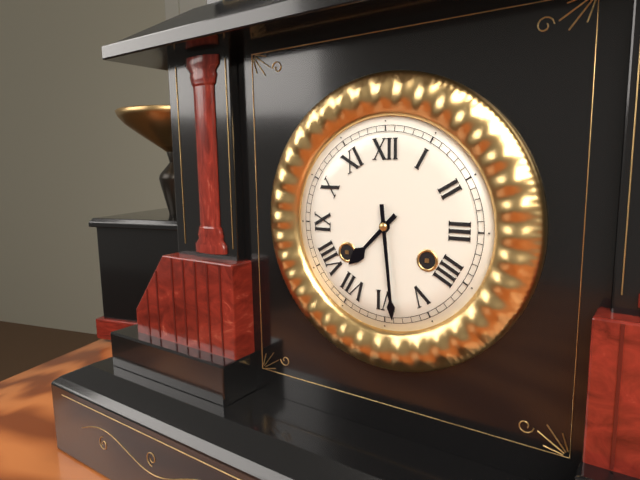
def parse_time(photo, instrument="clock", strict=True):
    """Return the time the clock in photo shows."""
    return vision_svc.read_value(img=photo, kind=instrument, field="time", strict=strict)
7:29
